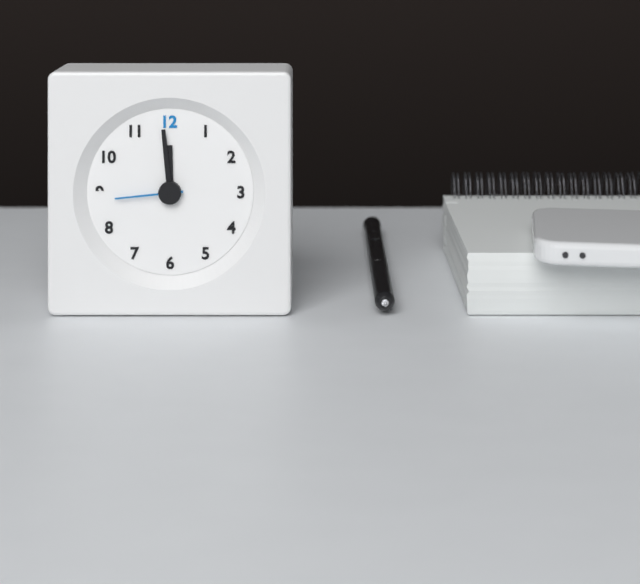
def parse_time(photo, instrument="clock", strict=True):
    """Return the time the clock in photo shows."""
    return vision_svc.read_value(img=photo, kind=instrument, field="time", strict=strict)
11:59:44
